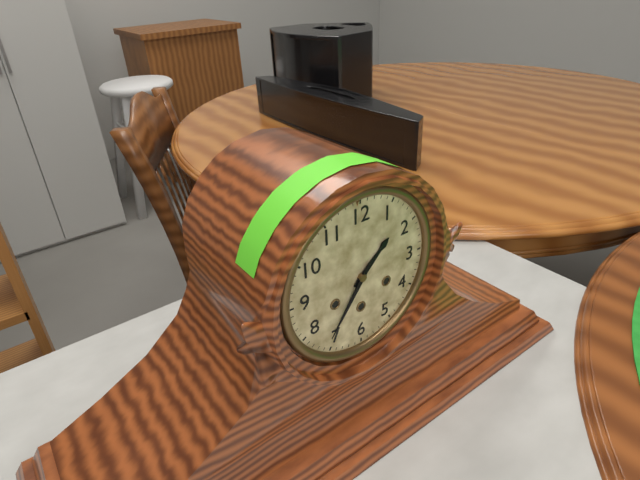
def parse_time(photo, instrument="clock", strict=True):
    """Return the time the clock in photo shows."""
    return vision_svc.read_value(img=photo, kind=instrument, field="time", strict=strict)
1:36
